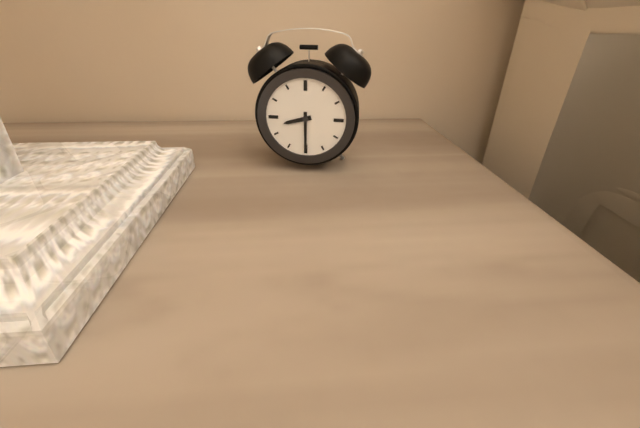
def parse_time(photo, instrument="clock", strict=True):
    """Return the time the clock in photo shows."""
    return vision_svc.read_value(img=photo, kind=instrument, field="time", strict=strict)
8:30
